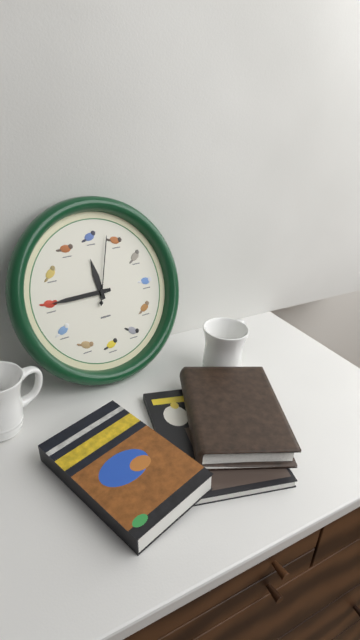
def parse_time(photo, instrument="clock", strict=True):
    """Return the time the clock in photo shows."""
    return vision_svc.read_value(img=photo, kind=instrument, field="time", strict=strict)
11:45:03
